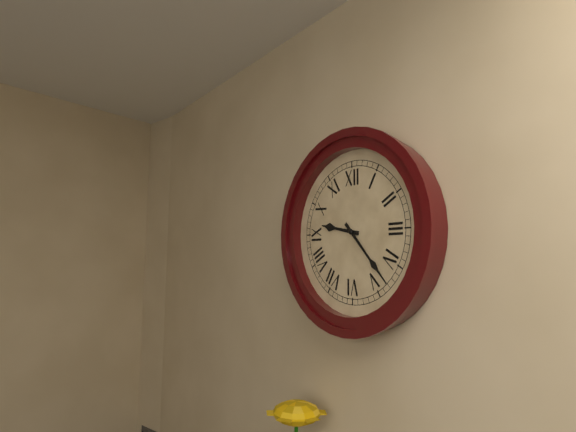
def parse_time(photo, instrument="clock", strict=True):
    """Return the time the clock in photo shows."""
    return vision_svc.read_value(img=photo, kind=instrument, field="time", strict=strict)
9:23
